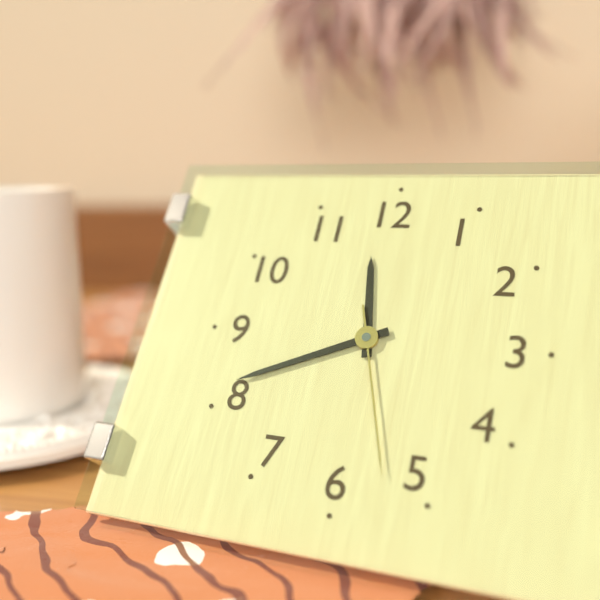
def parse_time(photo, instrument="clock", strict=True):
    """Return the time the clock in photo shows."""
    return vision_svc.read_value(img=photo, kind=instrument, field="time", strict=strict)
11:41:27
